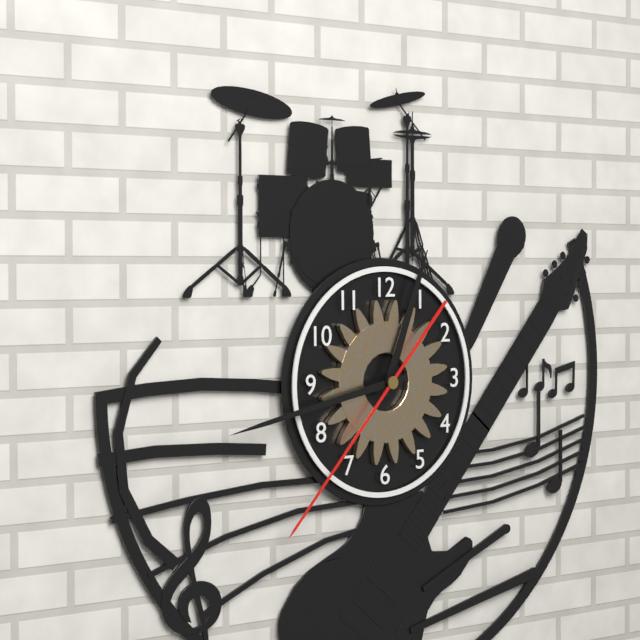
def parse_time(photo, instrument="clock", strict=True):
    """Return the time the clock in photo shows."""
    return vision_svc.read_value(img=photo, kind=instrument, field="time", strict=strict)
12:43:37
